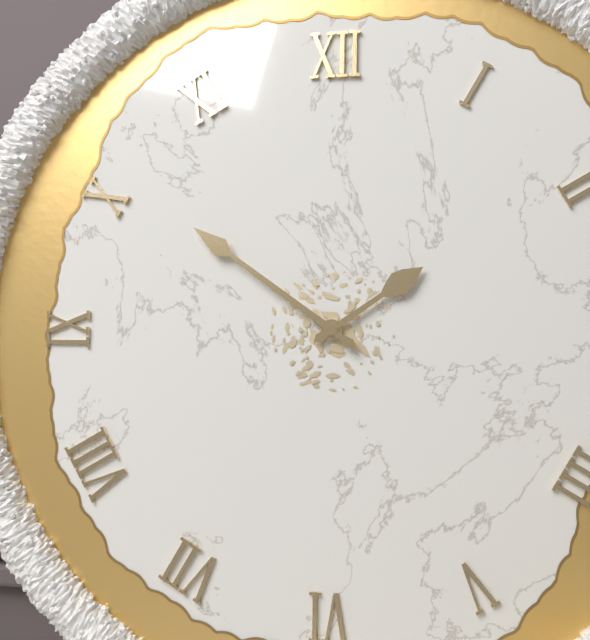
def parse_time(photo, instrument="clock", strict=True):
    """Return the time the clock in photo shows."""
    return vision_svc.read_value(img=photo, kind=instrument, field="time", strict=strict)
1:51
